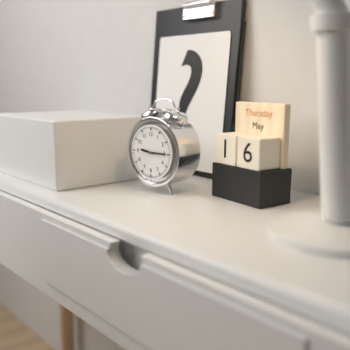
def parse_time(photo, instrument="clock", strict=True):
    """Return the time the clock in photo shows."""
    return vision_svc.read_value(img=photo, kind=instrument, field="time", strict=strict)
9:15
